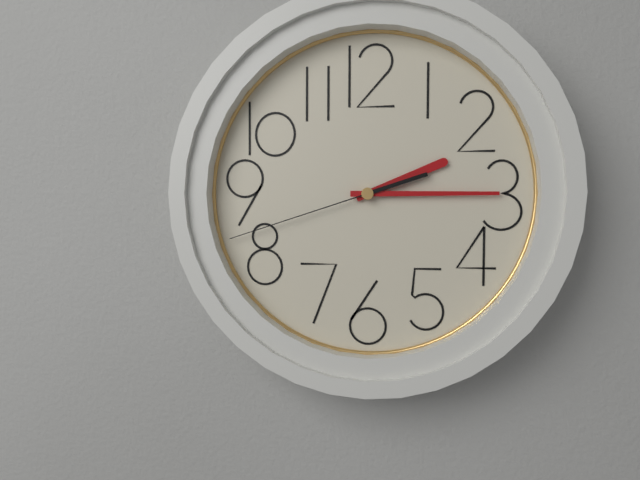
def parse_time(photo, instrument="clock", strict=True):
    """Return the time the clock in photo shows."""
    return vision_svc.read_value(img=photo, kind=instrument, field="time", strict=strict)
2:15:42
